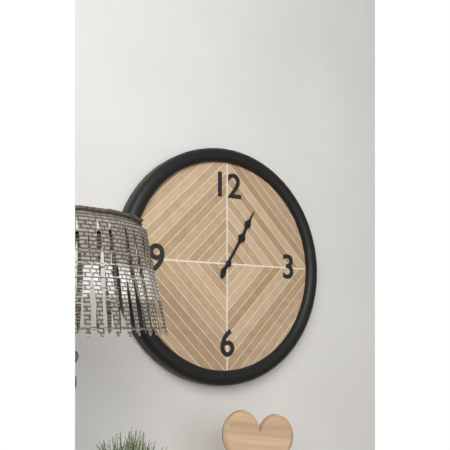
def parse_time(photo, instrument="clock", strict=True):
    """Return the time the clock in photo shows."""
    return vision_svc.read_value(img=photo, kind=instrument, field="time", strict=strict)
1:05
